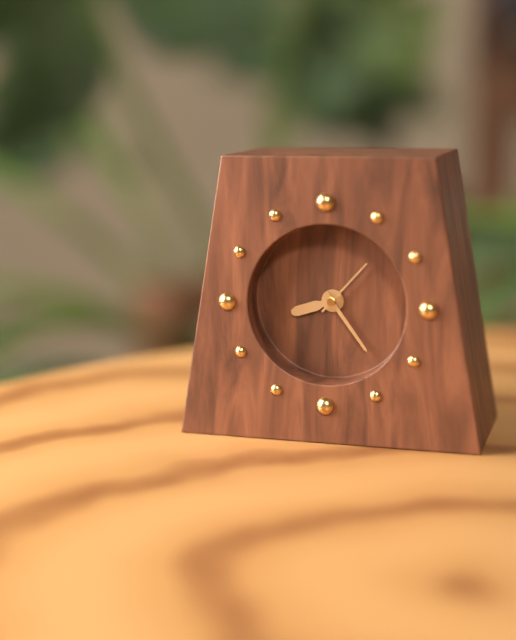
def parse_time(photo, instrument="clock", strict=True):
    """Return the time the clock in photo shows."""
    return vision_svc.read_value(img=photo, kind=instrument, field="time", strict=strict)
8:24:07
